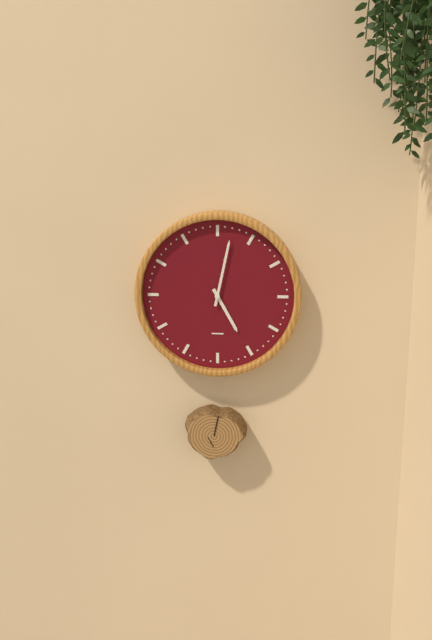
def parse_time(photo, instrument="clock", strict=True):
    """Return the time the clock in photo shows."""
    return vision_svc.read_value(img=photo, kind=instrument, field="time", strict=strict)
5:02
